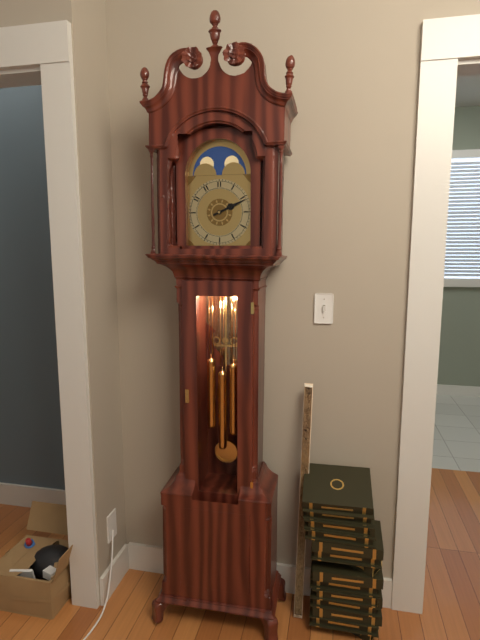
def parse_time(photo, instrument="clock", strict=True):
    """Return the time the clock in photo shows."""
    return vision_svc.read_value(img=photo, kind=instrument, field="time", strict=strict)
2:11
